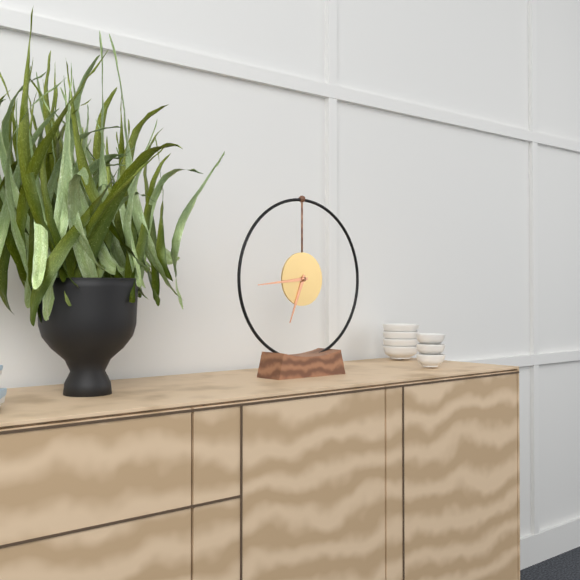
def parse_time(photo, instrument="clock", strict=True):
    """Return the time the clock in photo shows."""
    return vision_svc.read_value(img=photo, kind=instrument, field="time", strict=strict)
6:44
